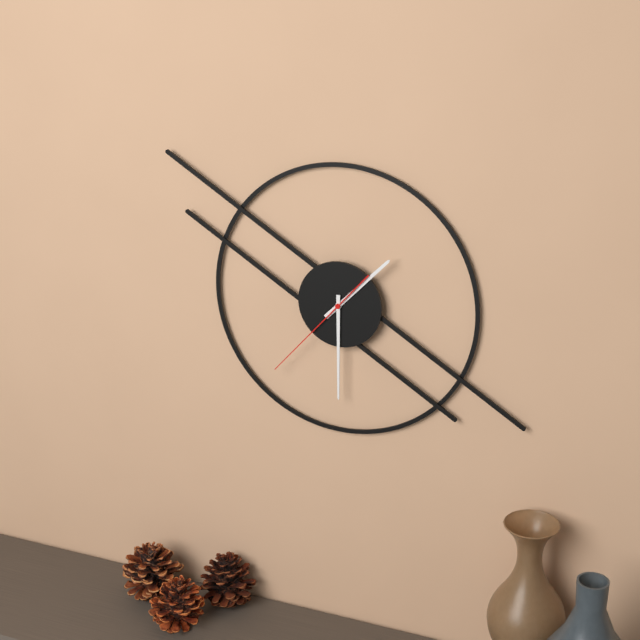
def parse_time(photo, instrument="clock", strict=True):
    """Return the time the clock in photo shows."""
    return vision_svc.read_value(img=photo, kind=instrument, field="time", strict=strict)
1:30:37
